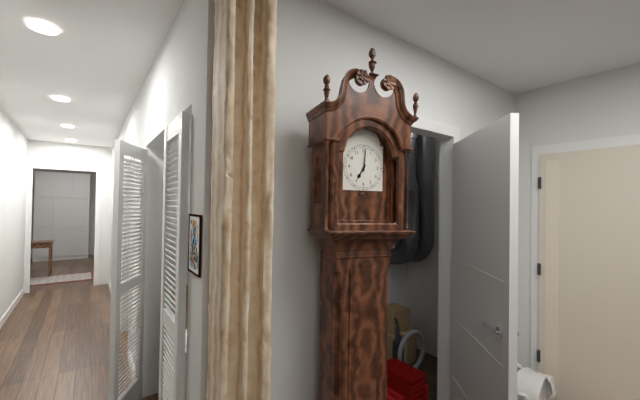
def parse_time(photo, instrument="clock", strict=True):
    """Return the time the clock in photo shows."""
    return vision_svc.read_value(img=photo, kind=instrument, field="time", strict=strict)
7:01
